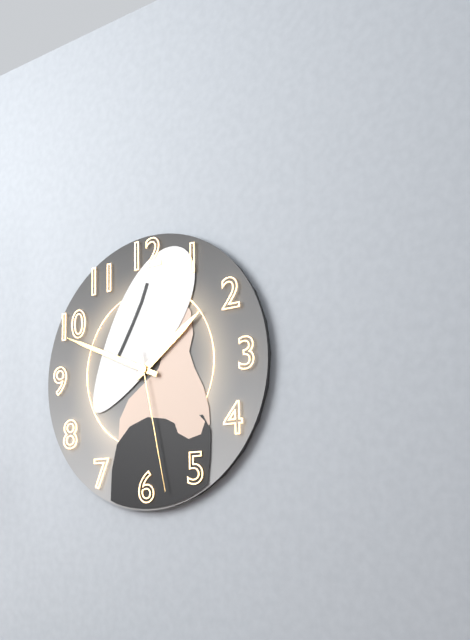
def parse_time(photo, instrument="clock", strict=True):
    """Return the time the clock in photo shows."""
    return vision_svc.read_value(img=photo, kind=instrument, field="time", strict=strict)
1:49:28
